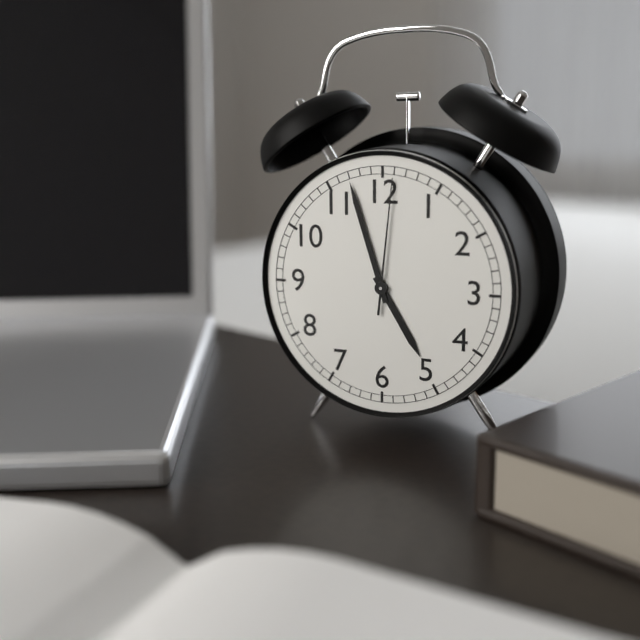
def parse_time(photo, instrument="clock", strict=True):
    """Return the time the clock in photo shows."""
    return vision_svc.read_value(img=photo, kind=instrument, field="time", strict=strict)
4:57:01
